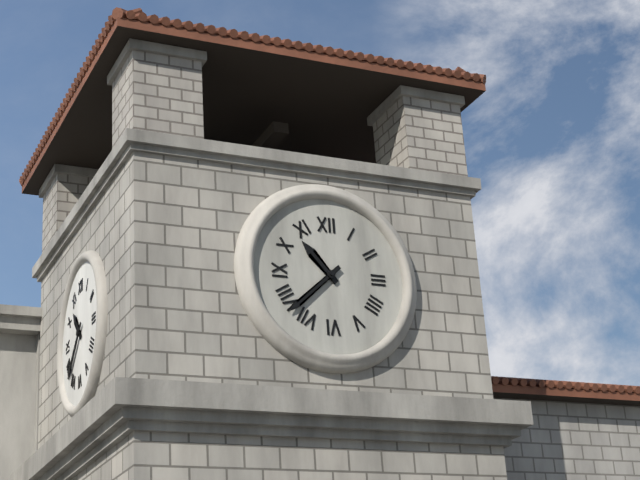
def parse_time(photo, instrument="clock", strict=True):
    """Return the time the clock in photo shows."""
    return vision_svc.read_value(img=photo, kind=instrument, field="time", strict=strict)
10:38
